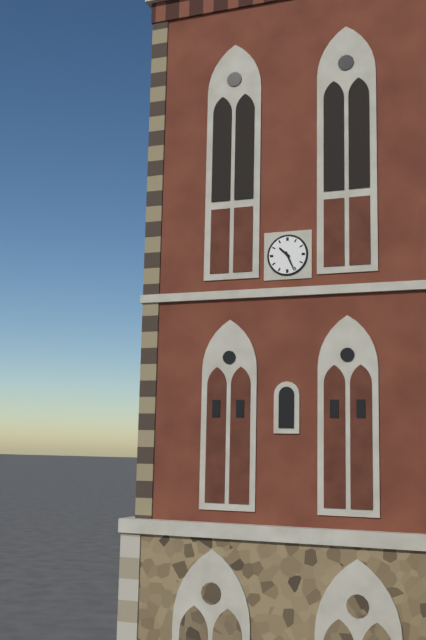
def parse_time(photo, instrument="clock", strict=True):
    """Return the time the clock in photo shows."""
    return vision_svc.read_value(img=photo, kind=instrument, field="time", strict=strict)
10:26
